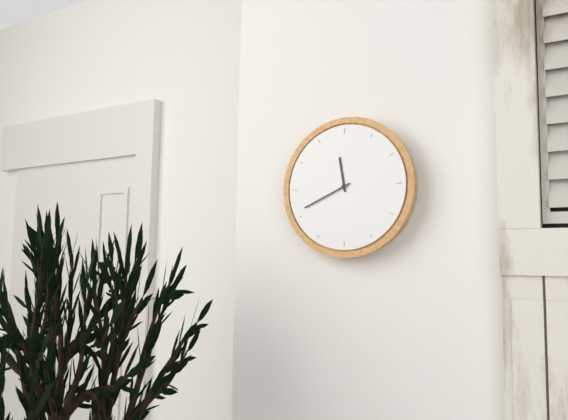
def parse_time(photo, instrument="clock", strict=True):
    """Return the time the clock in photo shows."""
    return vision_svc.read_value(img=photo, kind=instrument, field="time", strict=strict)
11:41
